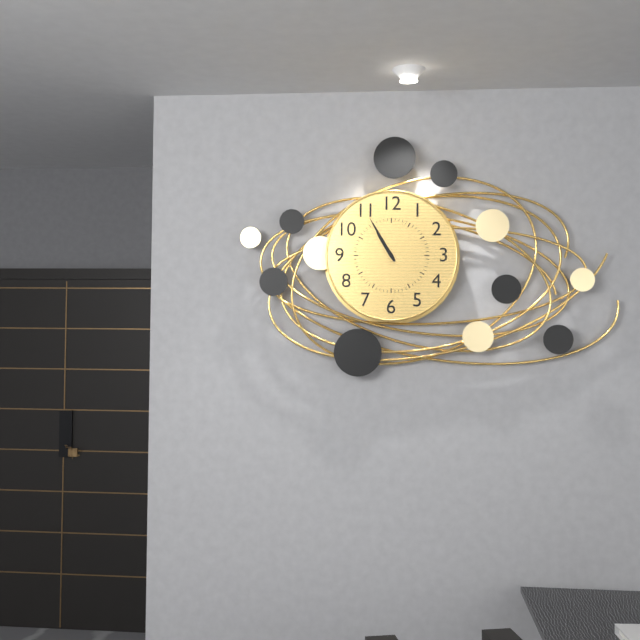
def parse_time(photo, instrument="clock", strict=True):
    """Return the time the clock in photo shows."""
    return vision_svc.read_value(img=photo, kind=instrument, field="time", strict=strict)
10:55
